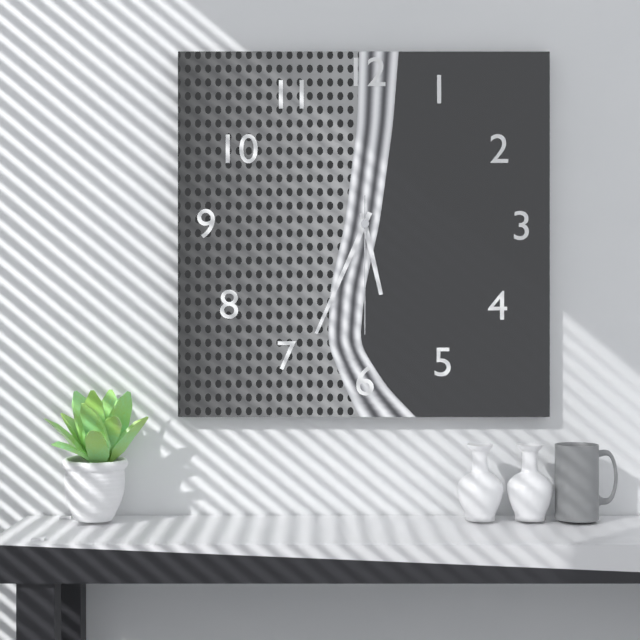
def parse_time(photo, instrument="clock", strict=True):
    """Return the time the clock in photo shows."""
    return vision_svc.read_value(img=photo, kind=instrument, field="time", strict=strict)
5:34:30
